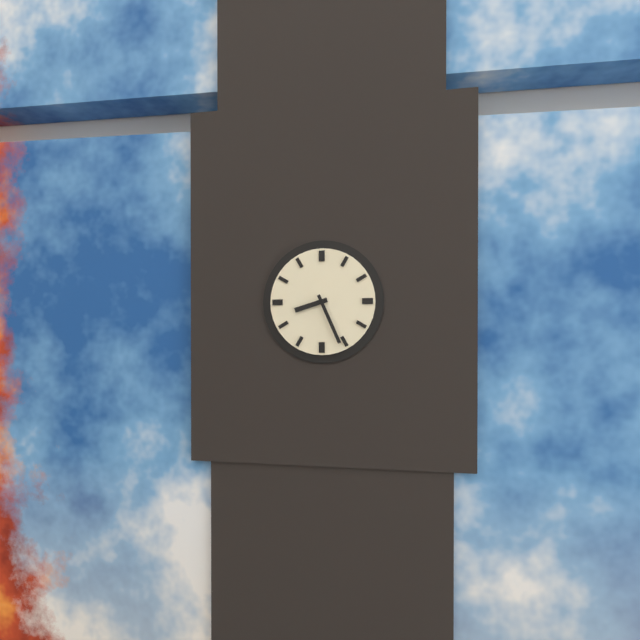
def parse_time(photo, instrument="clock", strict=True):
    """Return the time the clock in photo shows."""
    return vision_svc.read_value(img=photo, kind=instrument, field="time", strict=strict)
8:26
